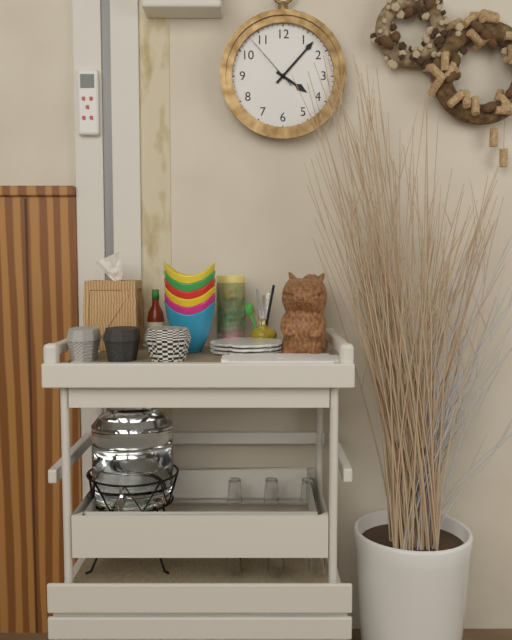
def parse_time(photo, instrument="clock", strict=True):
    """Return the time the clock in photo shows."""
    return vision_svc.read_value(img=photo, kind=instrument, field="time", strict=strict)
4:07:53
